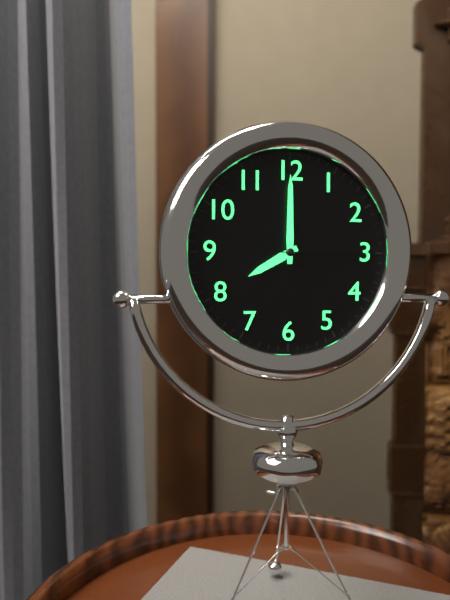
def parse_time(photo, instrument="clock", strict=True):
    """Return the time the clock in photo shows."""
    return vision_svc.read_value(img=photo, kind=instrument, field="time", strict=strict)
8:00:15
